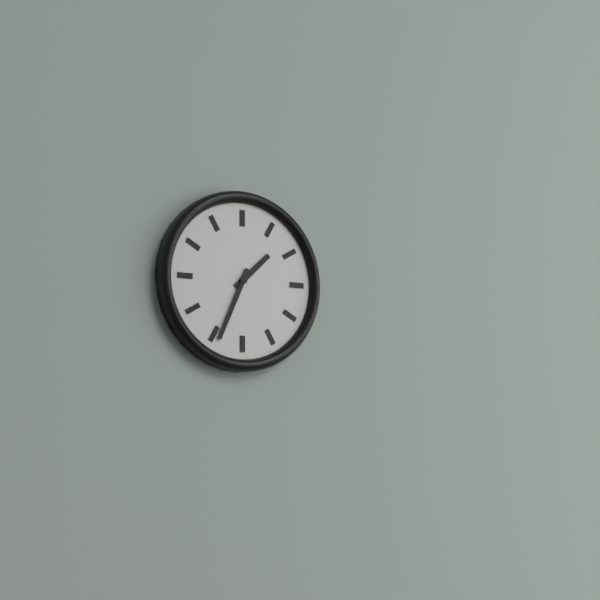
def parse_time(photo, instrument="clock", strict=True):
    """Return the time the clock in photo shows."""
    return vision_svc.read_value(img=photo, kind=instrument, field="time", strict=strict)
1:34
